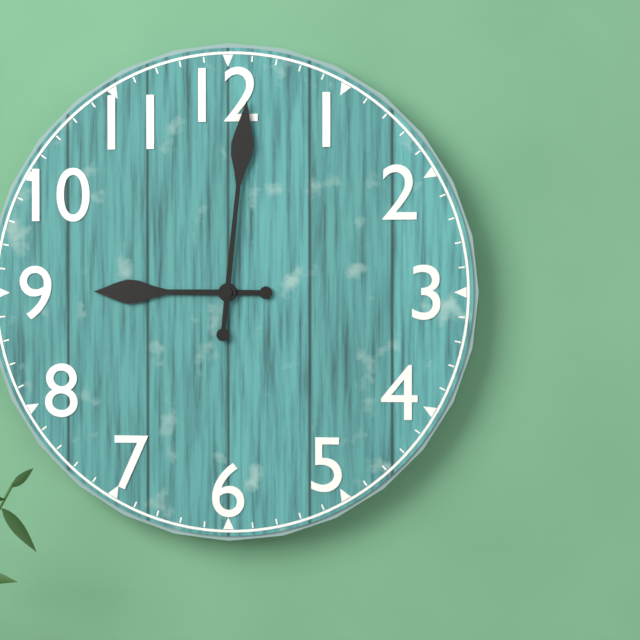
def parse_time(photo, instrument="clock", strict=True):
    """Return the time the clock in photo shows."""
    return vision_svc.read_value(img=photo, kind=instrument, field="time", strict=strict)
9:01
